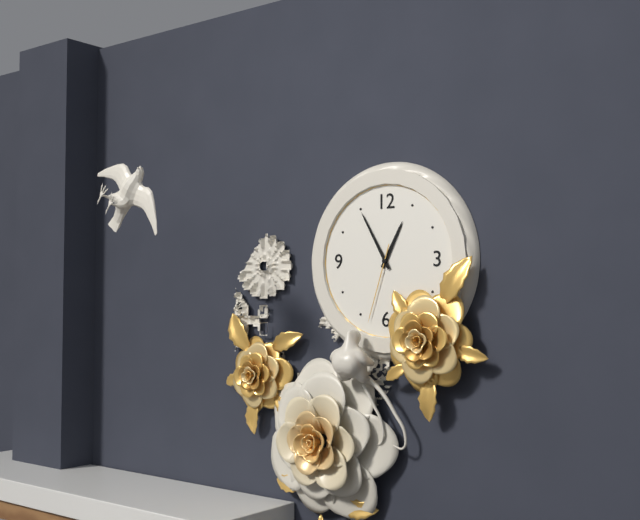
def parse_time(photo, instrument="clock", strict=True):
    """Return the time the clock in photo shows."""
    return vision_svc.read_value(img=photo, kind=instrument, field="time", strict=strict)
12:55:33
